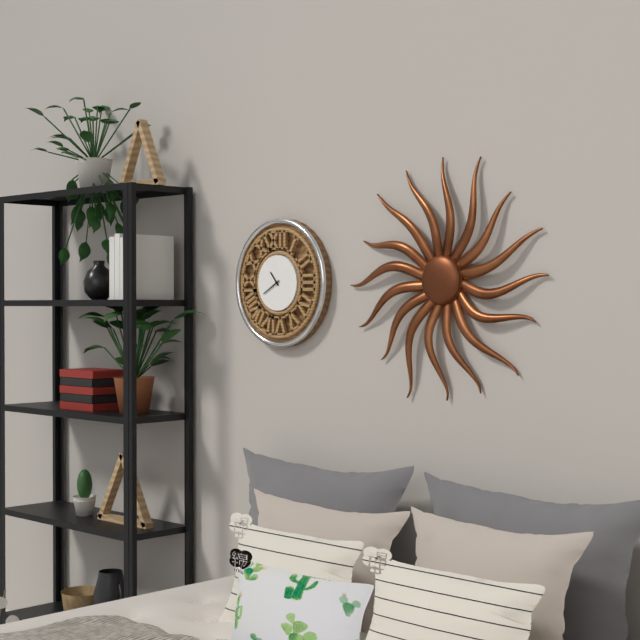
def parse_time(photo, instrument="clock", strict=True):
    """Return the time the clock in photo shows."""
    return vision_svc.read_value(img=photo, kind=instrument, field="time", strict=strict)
10:40
